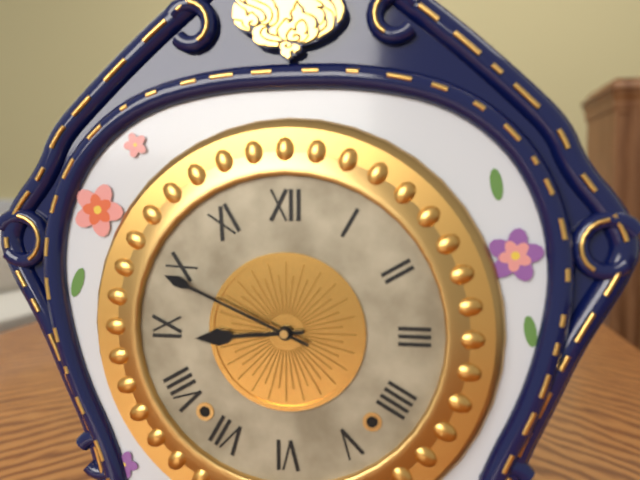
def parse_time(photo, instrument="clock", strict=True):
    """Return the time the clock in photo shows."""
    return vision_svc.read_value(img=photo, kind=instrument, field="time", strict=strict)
8:49
